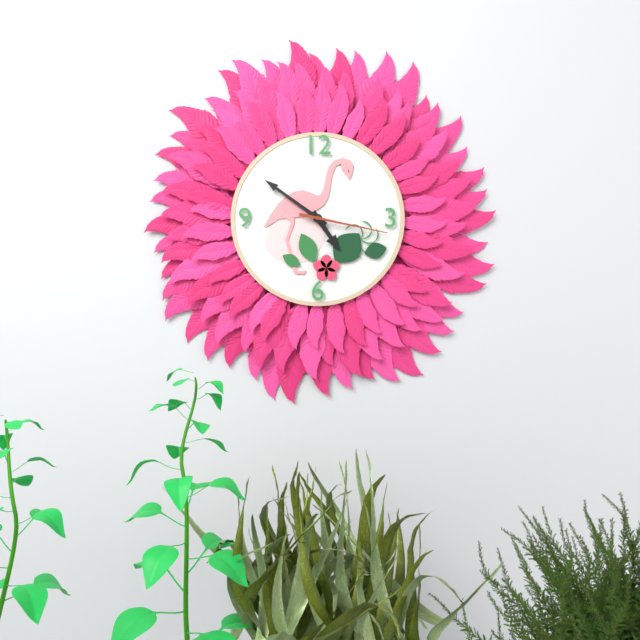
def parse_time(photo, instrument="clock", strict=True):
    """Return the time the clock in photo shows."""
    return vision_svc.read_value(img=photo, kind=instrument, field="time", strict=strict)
4:51:17
